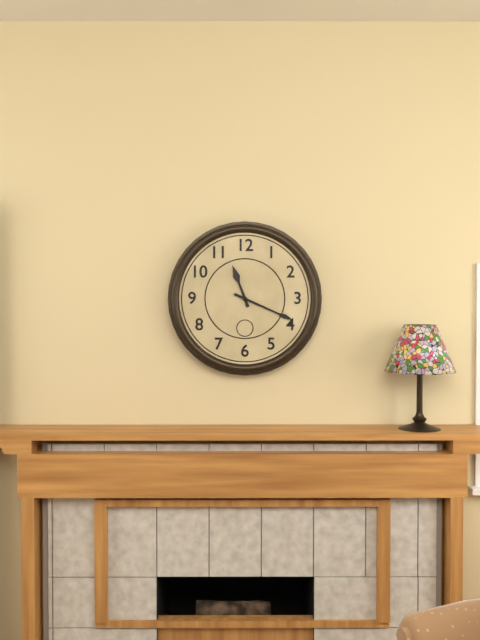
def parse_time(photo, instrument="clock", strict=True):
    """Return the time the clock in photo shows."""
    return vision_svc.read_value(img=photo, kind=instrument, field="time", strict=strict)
11:19
